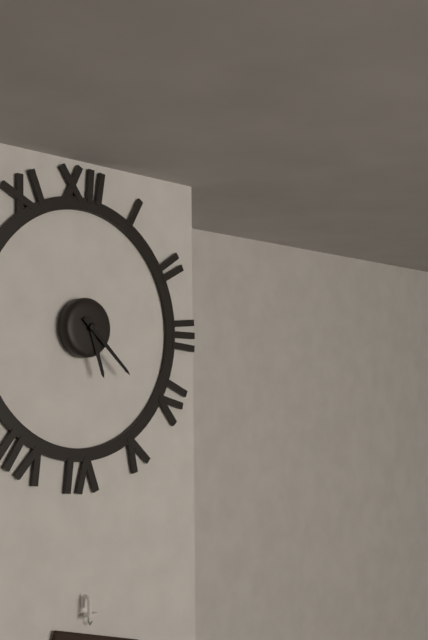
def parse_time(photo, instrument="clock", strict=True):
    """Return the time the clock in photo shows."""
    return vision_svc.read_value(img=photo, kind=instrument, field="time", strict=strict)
5:22
